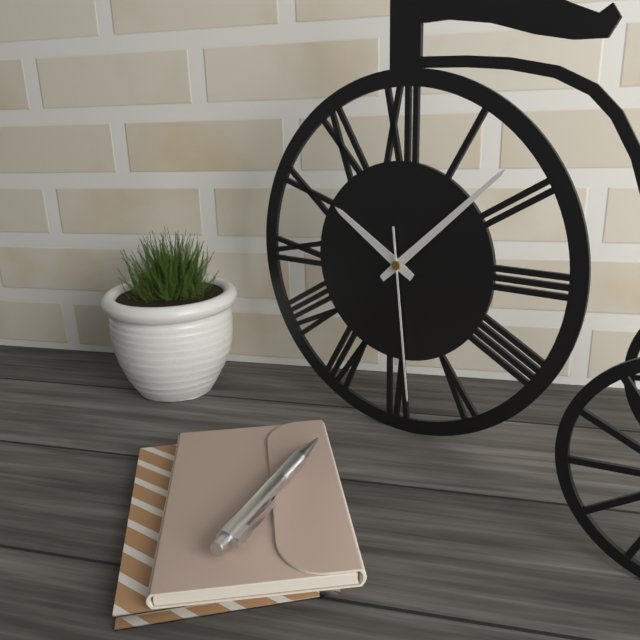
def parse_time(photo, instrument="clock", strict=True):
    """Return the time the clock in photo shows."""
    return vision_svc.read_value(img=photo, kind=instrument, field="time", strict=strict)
10:08:29
